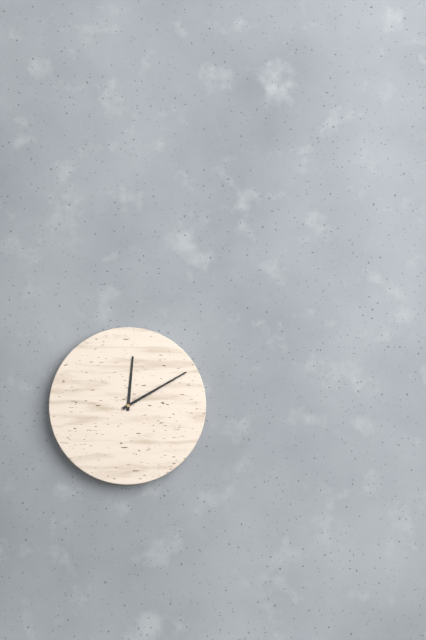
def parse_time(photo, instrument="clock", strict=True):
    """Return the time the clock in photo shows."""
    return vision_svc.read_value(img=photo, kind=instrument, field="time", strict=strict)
12:10
